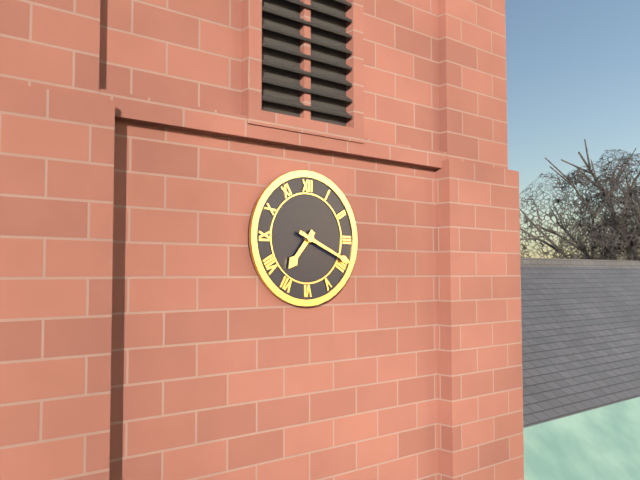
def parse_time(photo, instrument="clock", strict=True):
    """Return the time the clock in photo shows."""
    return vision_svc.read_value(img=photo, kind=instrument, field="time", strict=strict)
7:19
